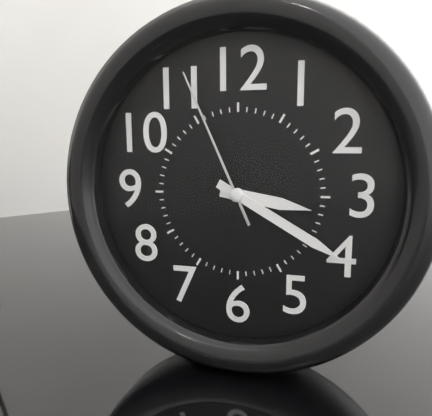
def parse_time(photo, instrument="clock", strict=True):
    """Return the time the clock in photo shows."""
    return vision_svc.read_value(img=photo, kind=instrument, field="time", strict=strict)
3:20:56
